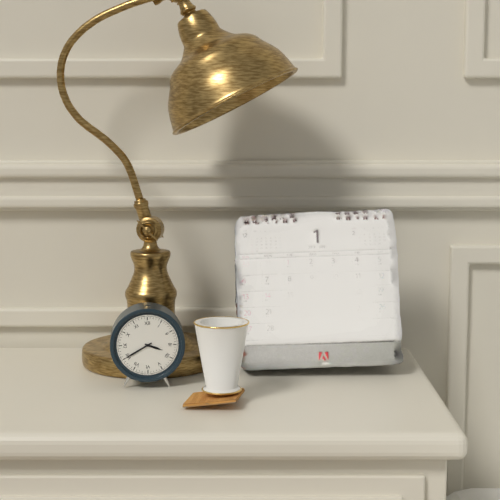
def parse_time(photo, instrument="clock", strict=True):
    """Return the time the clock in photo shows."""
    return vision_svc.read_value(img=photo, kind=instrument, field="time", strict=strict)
3:40
